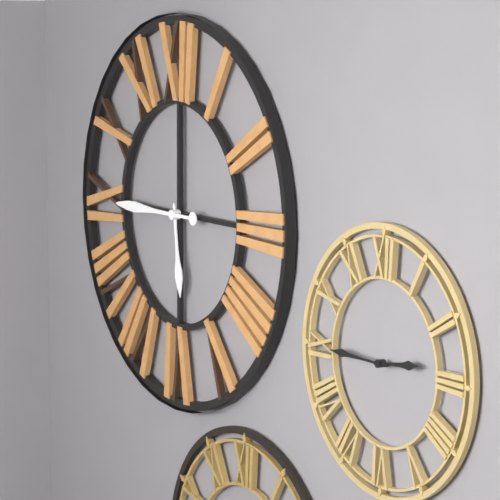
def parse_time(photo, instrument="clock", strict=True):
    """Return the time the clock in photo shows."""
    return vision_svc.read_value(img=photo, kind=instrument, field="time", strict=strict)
5:45
